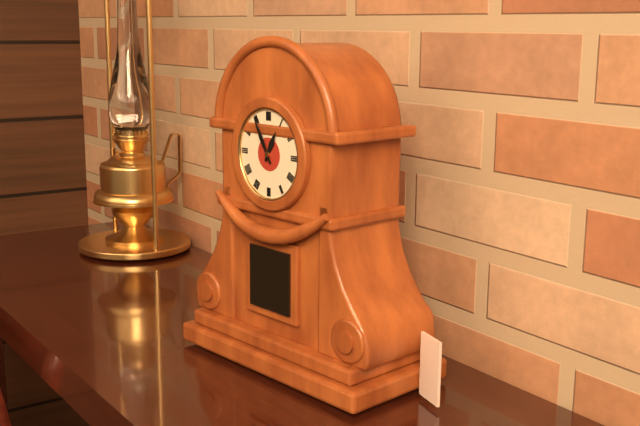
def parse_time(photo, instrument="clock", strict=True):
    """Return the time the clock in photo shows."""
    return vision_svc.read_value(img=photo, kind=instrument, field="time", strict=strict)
12:55
